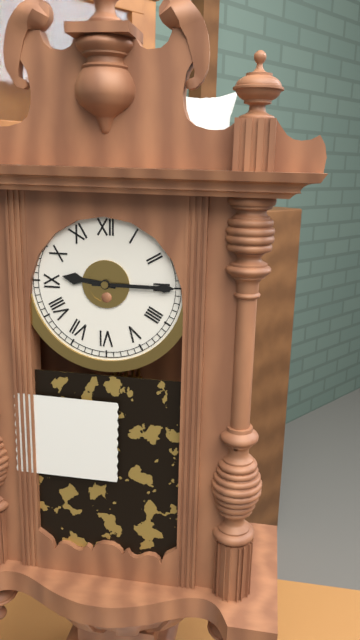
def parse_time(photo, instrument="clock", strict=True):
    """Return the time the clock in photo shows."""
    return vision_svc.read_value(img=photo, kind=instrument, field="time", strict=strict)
9:15
